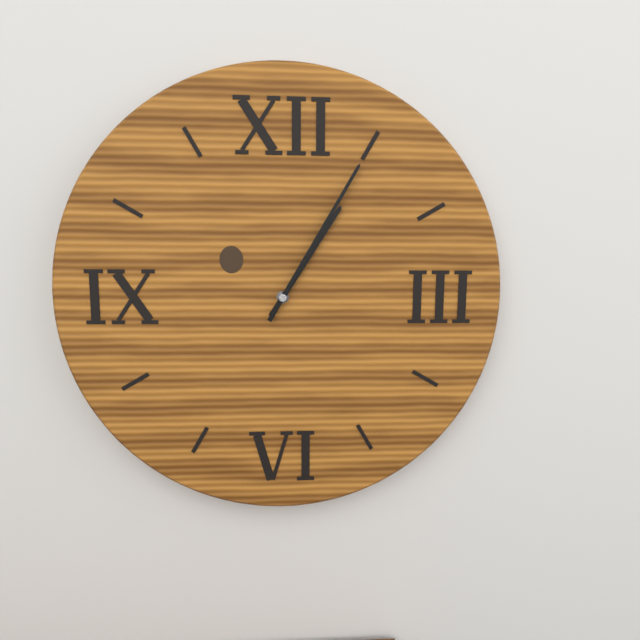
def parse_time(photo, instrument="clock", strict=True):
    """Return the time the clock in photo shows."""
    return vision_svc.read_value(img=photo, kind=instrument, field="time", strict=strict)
1:05
